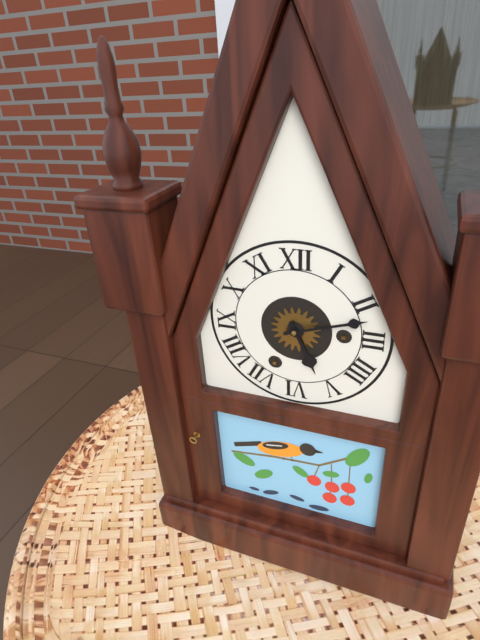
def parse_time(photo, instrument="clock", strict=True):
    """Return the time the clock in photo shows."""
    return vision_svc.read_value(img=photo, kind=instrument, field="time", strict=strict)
5:12
